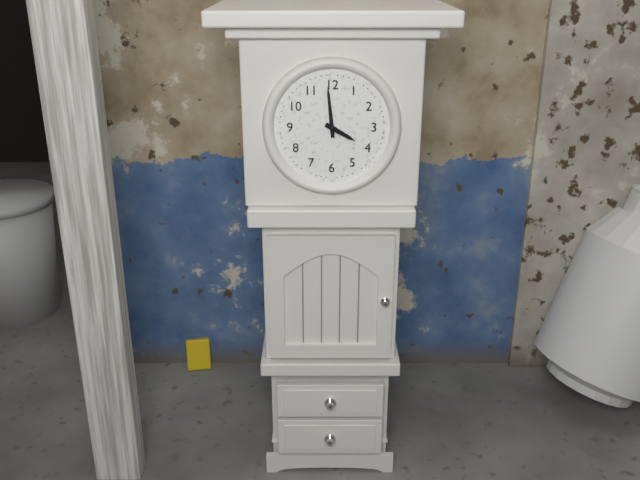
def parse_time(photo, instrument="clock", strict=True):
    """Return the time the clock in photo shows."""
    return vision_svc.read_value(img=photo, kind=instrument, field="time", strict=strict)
3:59
